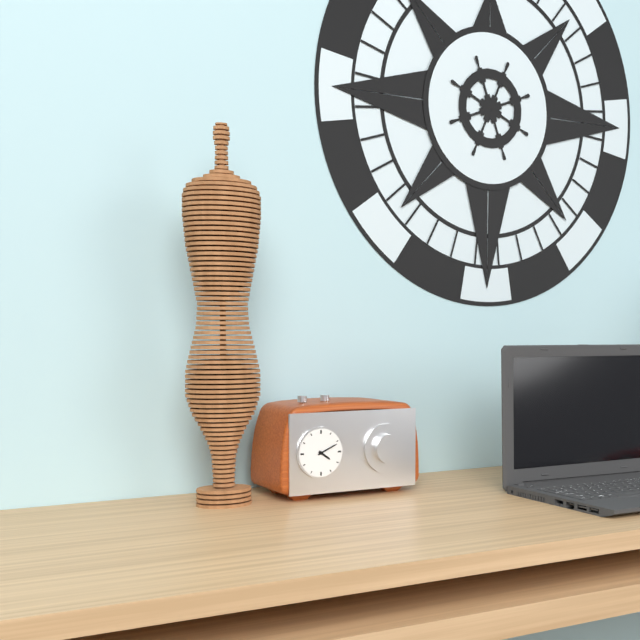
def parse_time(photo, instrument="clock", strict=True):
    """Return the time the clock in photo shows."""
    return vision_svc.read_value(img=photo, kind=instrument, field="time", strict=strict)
4:11
